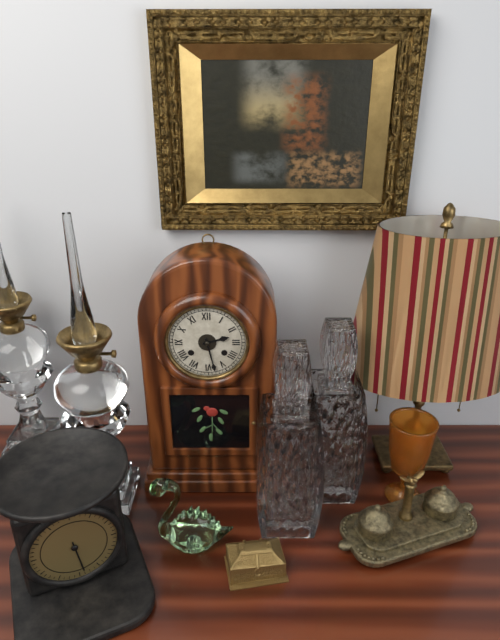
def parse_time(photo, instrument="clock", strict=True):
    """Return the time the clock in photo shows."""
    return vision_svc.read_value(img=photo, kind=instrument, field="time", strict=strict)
2:28
